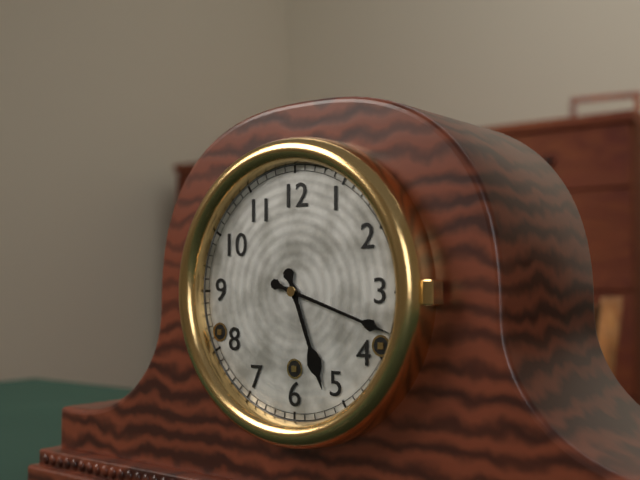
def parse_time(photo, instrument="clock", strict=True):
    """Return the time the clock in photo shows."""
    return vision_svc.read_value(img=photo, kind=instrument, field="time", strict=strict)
5:18
